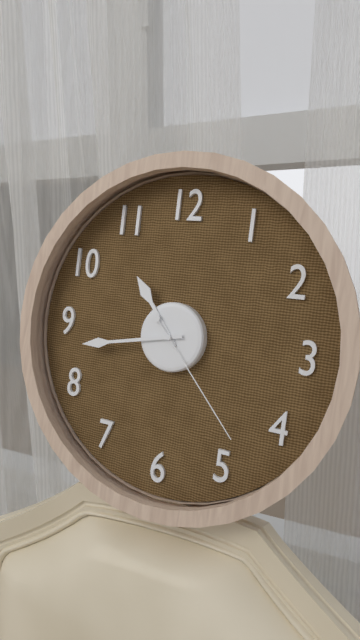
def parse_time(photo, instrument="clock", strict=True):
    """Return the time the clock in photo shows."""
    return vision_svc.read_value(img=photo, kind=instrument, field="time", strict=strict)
10:43:23
